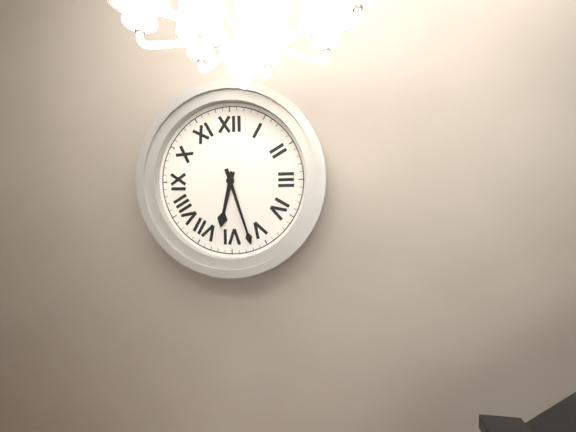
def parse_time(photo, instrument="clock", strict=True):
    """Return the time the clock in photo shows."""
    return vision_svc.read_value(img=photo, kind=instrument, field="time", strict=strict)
6:27
